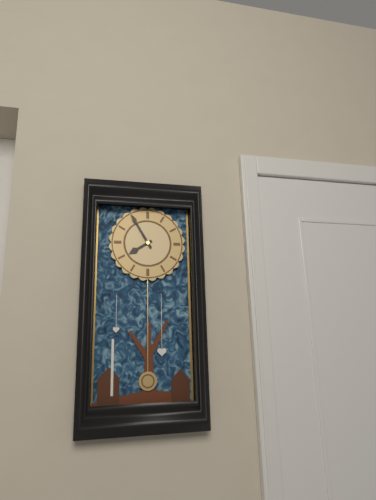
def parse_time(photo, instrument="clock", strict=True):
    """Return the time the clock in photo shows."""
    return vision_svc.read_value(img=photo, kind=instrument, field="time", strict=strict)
7:55
